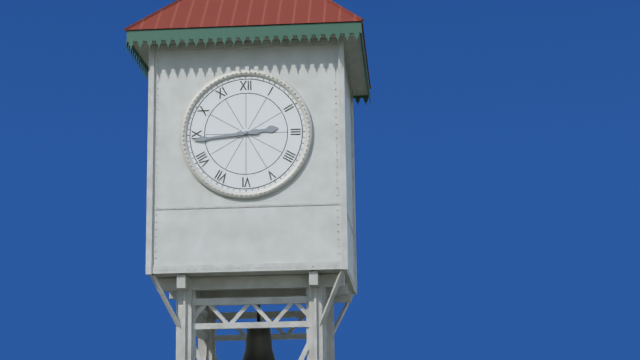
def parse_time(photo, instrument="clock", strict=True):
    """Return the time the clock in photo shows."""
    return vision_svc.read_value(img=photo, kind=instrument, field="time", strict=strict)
2:44
